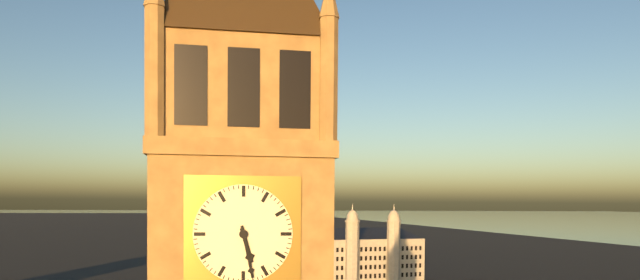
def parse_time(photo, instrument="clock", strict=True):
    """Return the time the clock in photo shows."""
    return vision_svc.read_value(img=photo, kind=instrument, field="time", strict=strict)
5:28
